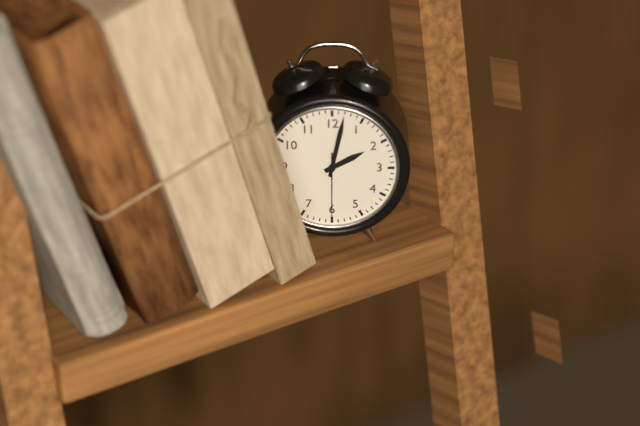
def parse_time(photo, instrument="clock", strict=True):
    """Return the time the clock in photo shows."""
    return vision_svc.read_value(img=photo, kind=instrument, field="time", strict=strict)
2:02:30
